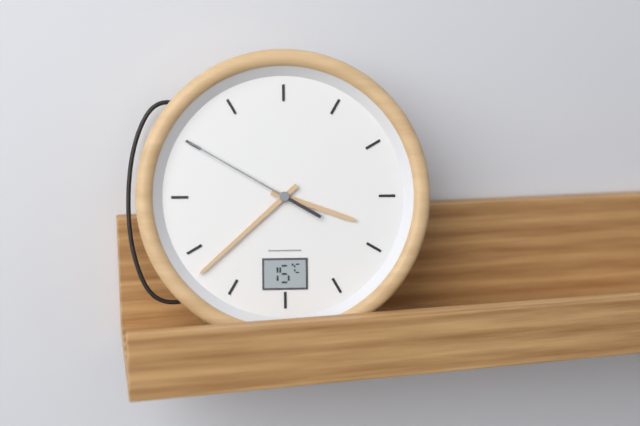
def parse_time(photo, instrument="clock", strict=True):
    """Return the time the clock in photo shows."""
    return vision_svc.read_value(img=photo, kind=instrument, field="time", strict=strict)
3:38:50
